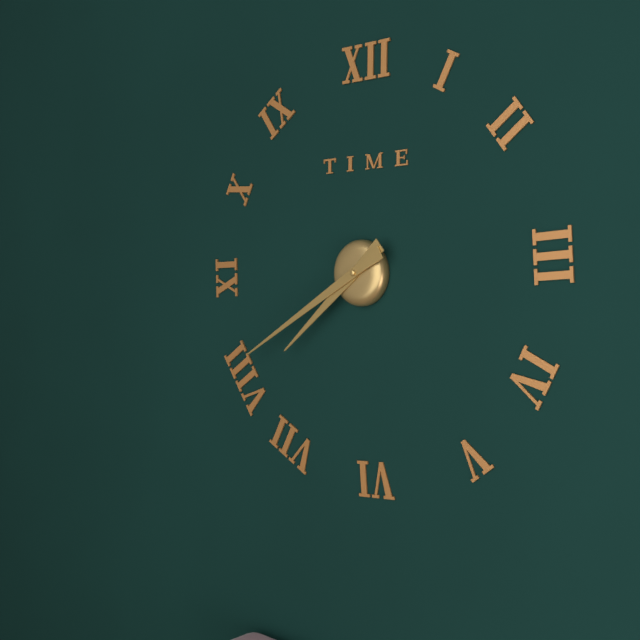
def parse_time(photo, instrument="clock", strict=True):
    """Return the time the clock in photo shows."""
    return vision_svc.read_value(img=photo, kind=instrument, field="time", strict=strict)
7:40
